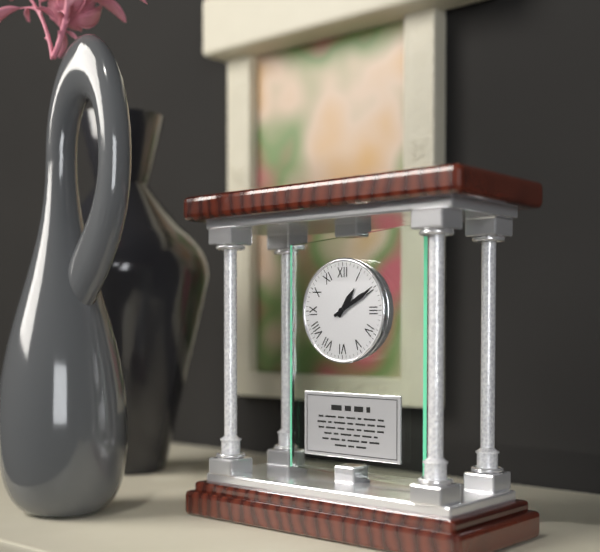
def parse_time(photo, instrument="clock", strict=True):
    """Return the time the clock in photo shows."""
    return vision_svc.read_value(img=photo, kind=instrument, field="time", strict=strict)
1:10
